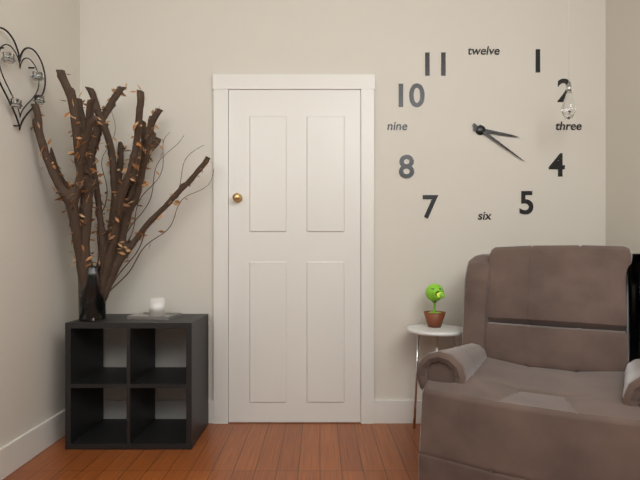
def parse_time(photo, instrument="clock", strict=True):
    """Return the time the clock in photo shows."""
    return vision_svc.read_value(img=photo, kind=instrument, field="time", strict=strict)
3:21
